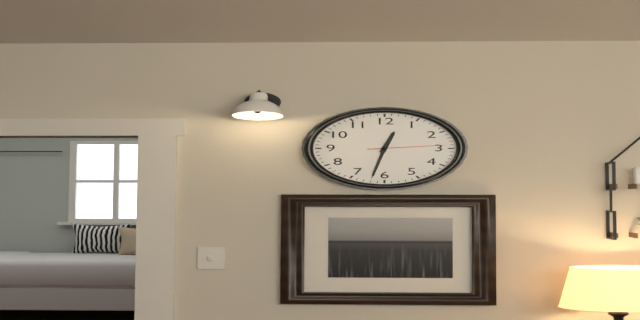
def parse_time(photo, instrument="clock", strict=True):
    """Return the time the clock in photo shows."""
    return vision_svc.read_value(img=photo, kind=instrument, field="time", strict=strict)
12:32:14
